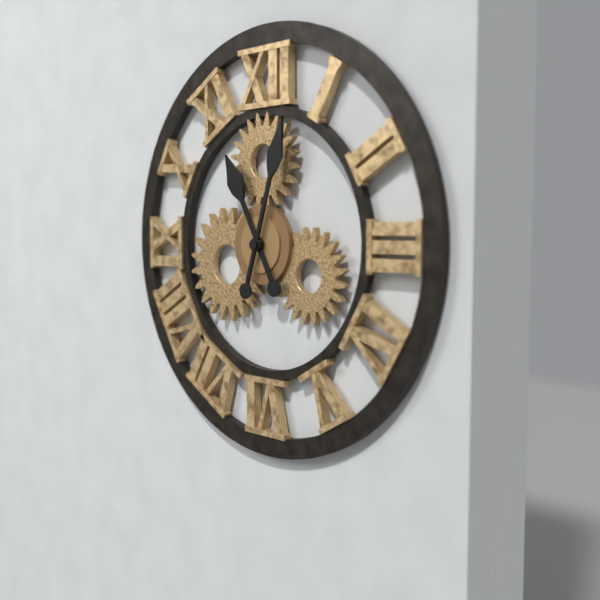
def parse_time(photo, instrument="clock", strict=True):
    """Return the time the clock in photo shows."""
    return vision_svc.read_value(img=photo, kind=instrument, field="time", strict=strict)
11:03
